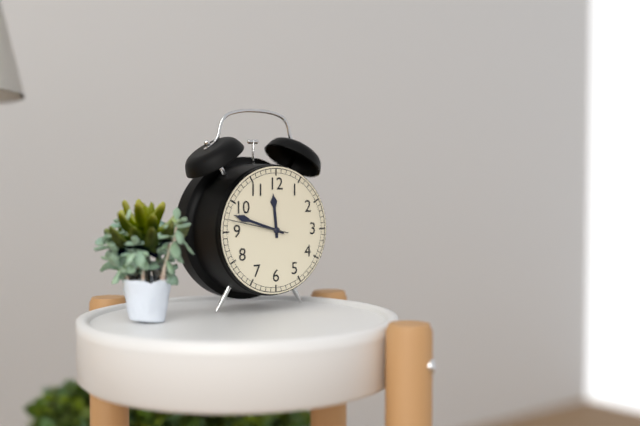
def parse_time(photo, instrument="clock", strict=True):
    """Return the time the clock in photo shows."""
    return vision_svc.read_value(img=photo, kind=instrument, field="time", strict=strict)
11:48:47
